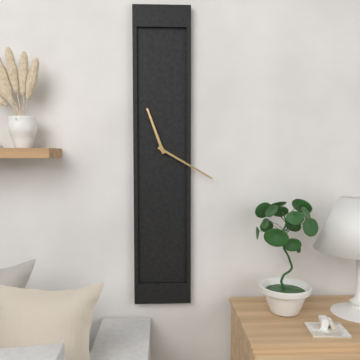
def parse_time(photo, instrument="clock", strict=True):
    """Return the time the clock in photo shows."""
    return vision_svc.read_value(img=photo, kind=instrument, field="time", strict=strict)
11:20
